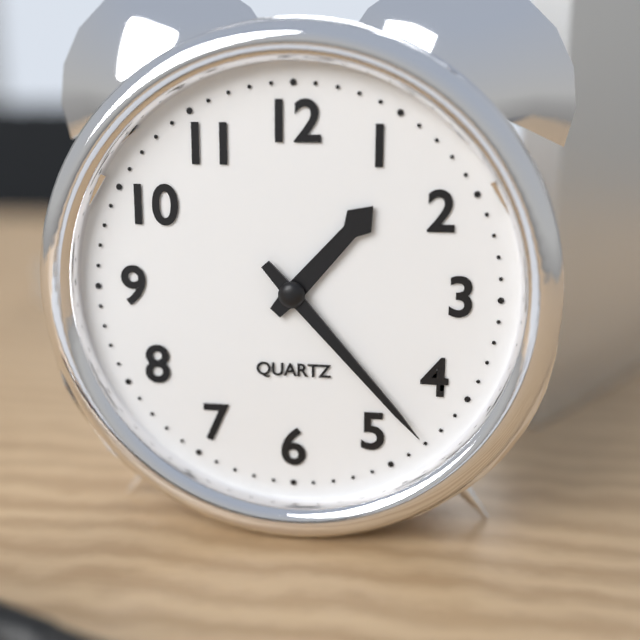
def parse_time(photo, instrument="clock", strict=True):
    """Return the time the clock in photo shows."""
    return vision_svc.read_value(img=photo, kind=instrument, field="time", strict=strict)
1:23
